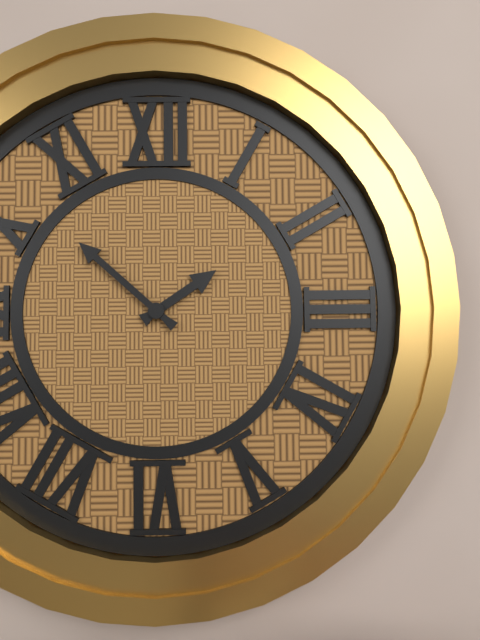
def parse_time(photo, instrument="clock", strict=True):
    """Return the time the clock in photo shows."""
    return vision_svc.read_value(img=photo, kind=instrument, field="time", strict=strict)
1:52
